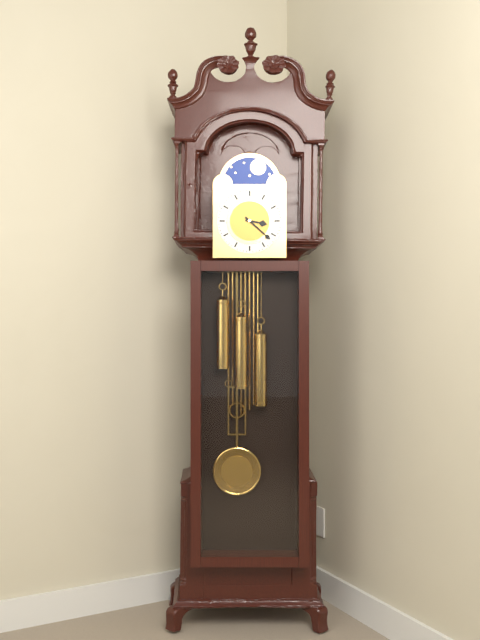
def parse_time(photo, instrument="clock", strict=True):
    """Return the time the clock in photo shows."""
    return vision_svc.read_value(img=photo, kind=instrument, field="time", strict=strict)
3:22
